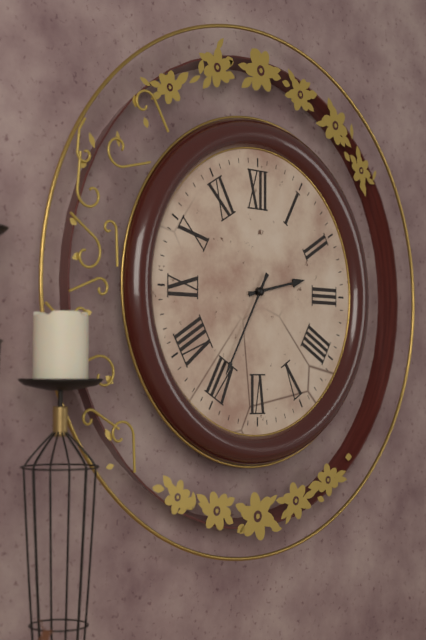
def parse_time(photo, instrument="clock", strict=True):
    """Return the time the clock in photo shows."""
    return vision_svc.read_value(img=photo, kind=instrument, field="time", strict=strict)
2:35
